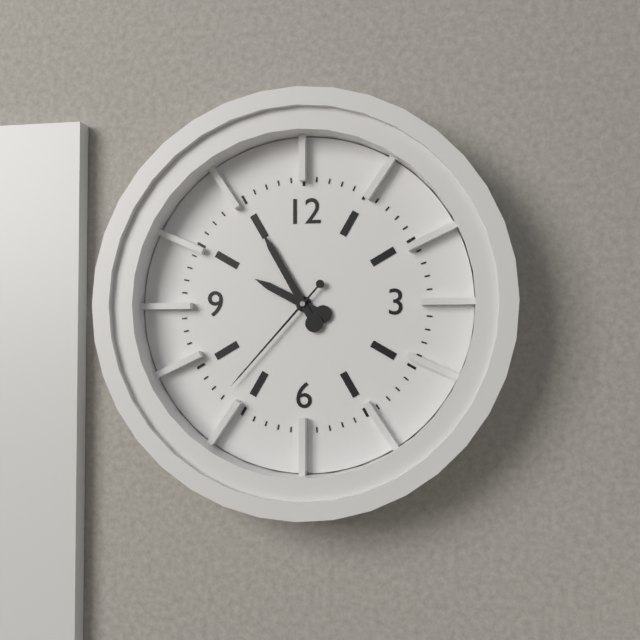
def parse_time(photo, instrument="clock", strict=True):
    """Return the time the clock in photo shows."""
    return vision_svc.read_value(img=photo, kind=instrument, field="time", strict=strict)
9:55:37
